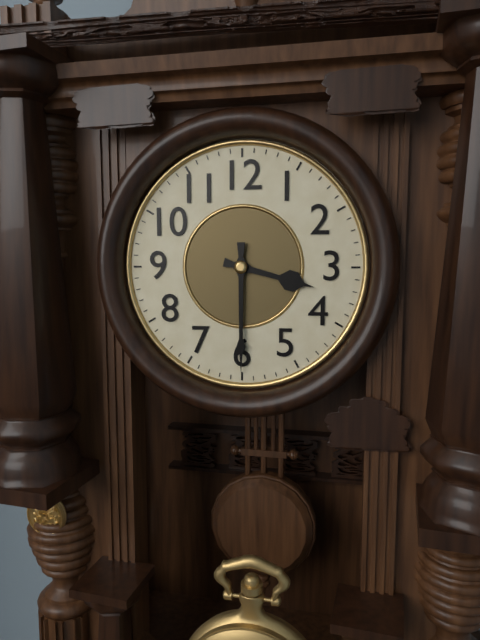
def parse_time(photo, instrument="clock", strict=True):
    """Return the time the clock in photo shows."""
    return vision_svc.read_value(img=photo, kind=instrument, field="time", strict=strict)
3:30
